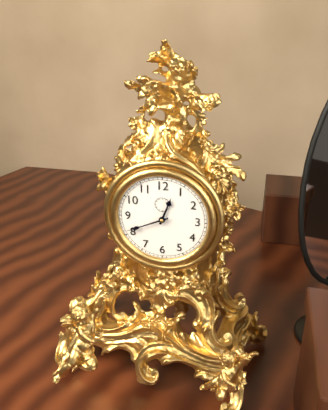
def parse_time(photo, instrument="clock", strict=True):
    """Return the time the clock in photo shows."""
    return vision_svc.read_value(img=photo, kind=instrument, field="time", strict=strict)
12:41
